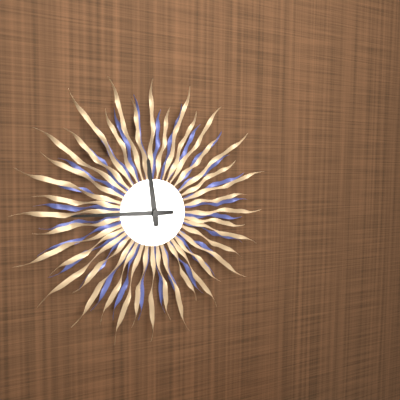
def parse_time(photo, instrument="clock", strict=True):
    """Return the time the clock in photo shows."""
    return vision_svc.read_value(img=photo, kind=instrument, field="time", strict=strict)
11:45
